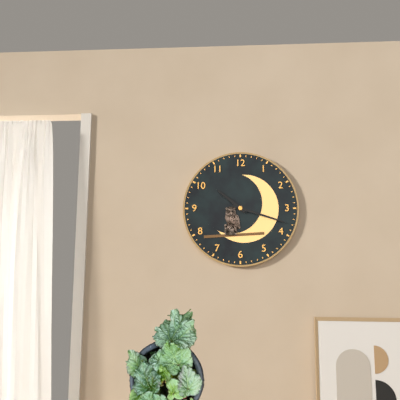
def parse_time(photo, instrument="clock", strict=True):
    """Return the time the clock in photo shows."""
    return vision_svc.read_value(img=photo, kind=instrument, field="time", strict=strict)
10:18
